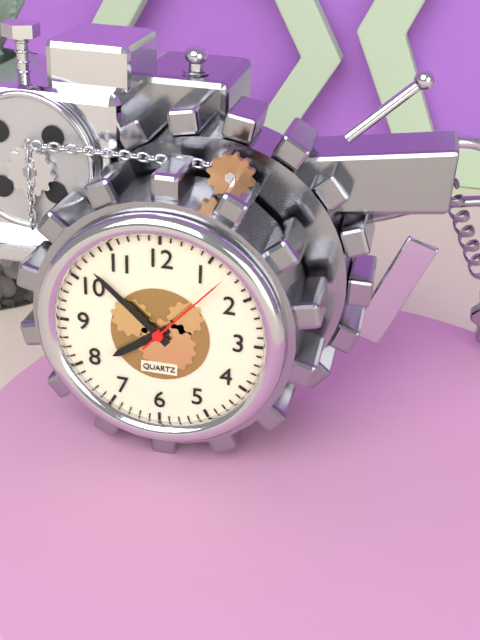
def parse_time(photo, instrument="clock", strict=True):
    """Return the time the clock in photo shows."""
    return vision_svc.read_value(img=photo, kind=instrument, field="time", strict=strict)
7:52:07
